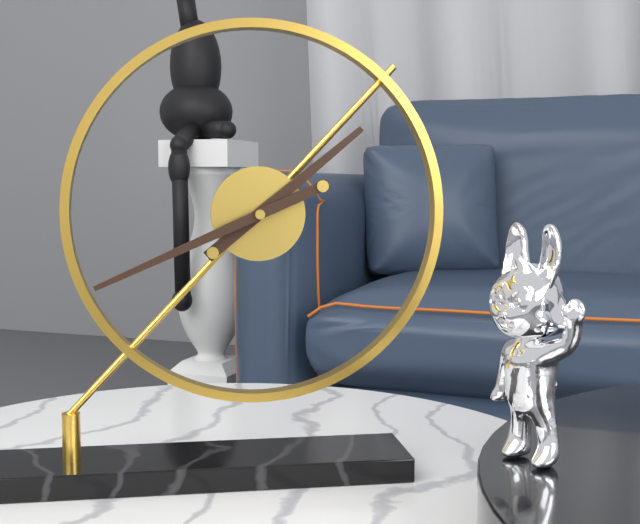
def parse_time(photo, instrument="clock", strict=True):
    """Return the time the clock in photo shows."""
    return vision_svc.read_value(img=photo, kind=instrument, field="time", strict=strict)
1:41
